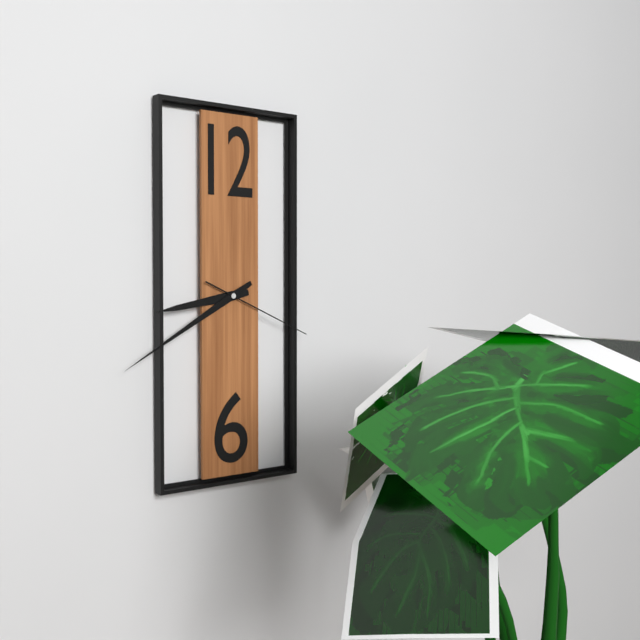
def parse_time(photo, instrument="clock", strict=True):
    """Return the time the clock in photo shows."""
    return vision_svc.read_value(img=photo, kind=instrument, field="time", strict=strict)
8:40:19
